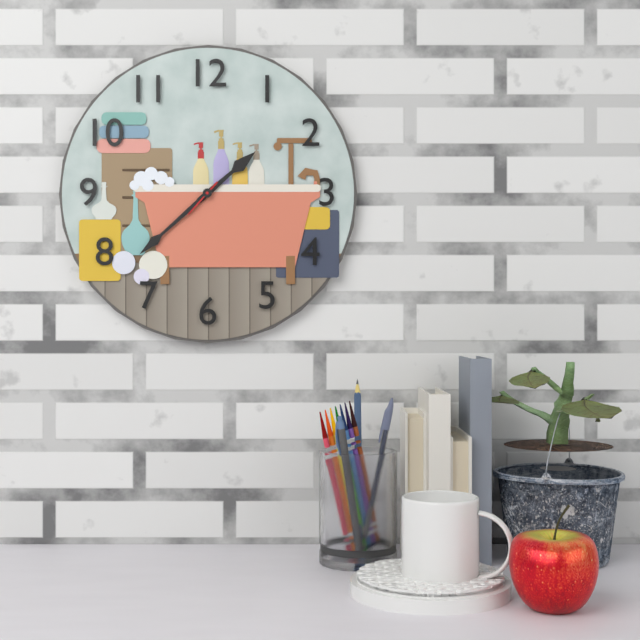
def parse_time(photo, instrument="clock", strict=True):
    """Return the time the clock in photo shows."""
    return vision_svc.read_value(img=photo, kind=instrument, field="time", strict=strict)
1:38
